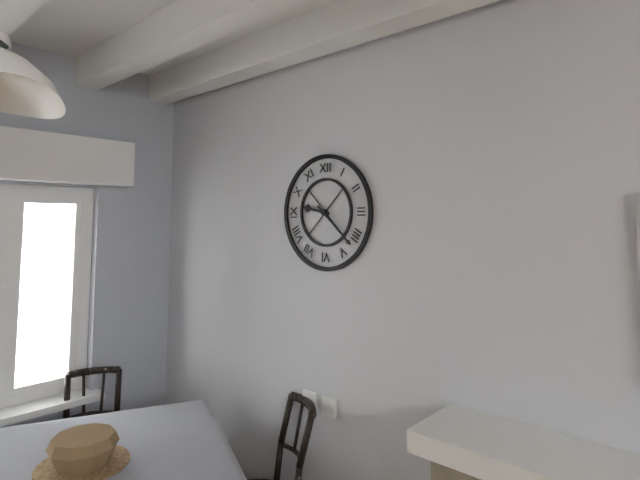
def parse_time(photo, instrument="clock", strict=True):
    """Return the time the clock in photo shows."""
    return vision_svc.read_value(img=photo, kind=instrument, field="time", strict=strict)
9:22
